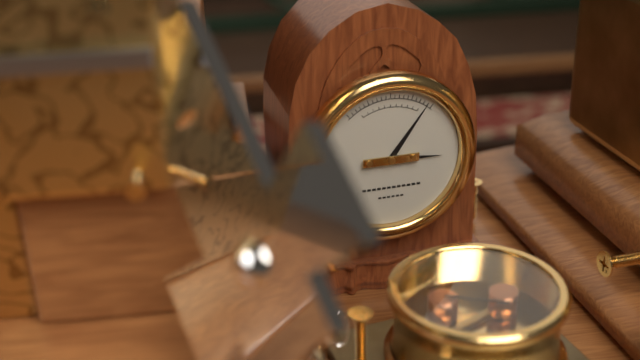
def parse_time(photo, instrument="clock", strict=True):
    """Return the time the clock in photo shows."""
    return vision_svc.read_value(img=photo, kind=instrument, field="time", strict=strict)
3:06
